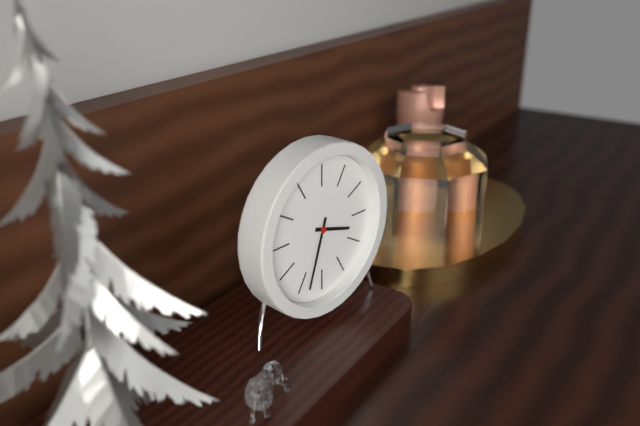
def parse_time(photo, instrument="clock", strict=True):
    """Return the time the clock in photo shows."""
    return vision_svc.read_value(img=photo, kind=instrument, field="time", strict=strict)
3:33
